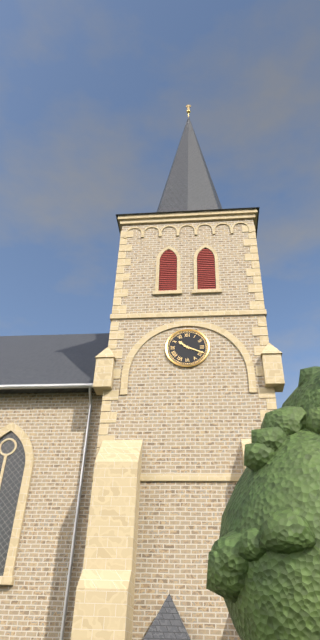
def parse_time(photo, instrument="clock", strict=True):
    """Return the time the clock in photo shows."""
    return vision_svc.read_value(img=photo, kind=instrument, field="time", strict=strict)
10:19
